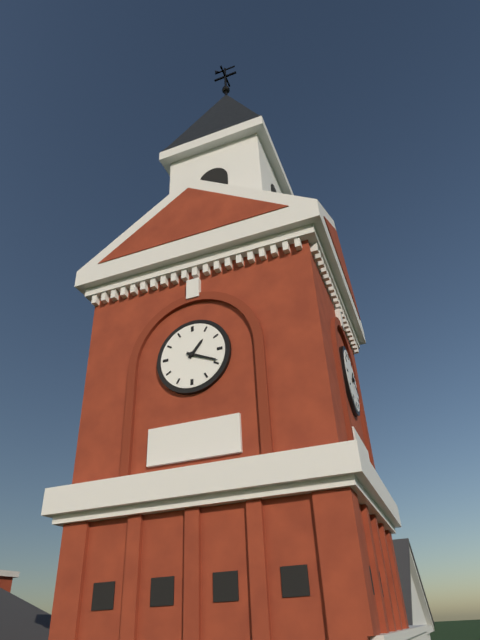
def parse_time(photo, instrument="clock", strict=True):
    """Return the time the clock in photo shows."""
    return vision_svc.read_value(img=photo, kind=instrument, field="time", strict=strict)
1:19
